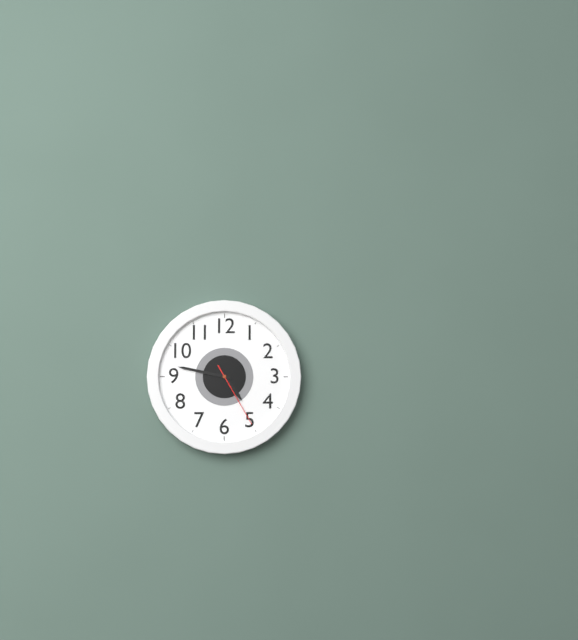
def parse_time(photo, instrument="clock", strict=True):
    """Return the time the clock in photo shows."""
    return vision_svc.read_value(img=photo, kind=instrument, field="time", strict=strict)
4:47:25
